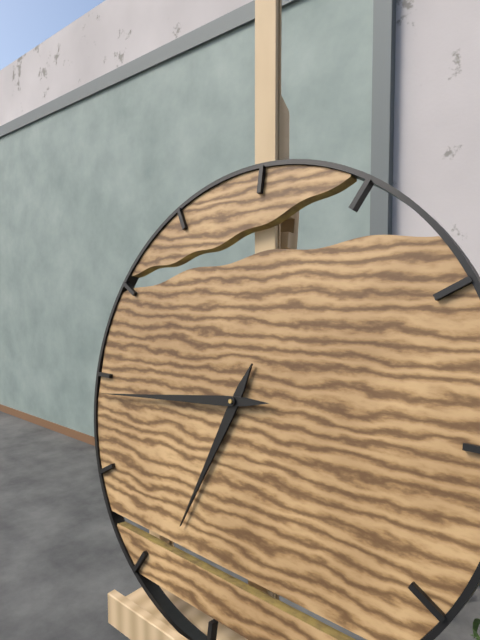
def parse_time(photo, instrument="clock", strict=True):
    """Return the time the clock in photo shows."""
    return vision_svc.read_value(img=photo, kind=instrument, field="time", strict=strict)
6:44
